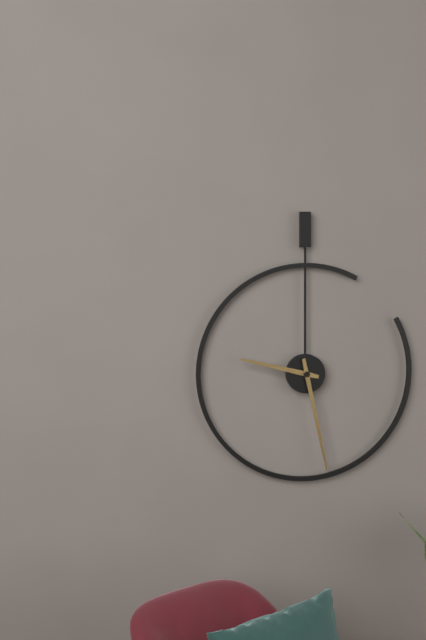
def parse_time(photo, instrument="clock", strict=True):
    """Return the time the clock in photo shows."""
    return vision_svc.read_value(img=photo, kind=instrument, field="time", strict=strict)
9:28
